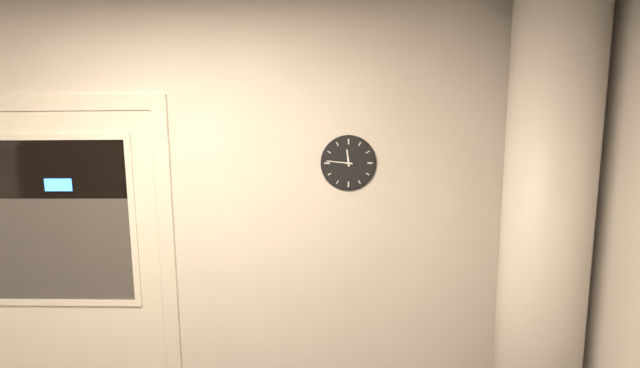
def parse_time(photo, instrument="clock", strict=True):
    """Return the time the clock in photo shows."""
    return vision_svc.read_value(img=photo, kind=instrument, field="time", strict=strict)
11:46
